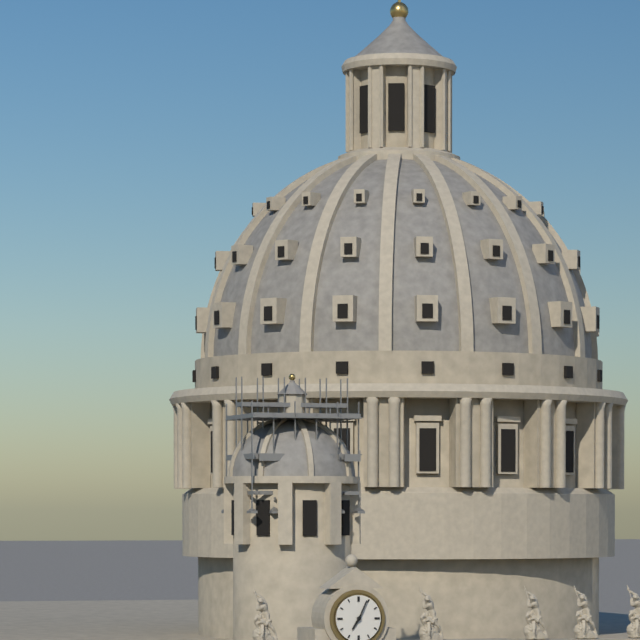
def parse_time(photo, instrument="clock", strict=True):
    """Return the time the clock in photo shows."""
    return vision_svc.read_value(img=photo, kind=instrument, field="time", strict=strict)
7:04
